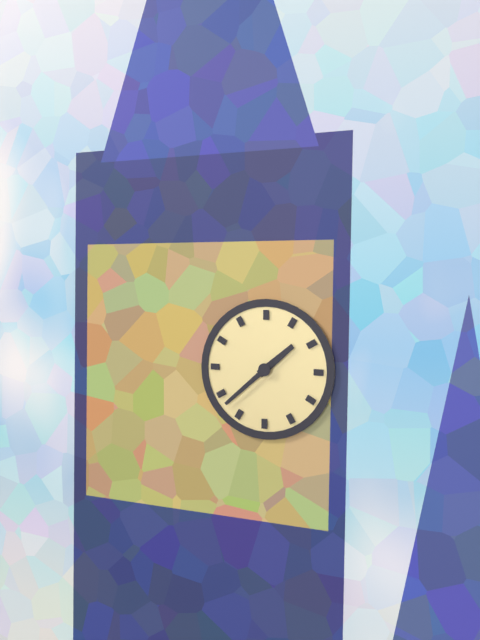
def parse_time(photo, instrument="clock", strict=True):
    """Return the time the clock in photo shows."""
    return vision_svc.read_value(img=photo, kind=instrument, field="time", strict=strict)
1:38
